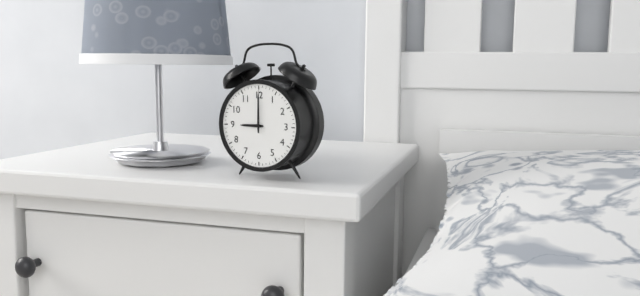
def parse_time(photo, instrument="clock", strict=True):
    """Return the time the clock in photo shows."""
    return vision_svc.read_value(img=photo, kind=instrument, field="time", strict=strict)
9:00
